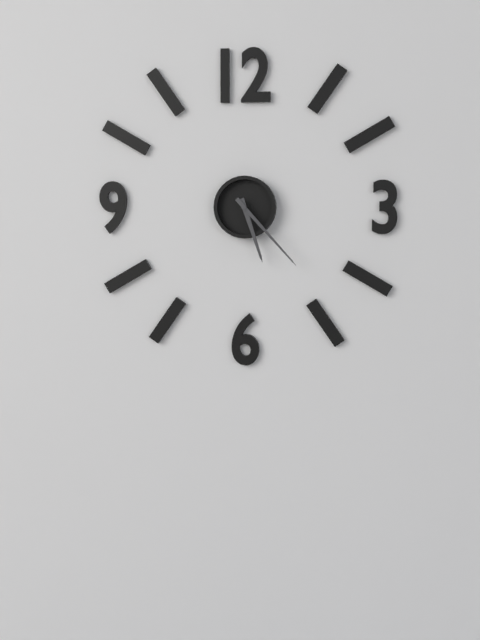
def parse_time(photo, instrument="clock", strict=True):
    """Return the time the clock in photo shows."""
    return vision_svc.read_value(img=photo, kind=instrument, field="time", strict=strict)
5:23
